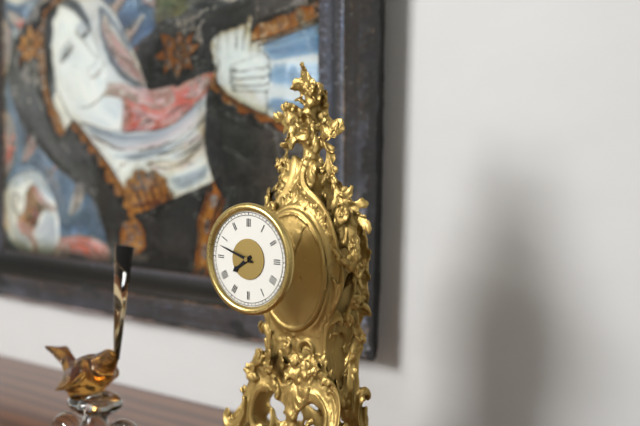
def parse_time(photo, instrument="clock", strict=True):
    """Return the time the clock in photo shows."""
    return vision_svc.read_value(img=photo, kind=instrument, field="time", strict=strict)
7:48
